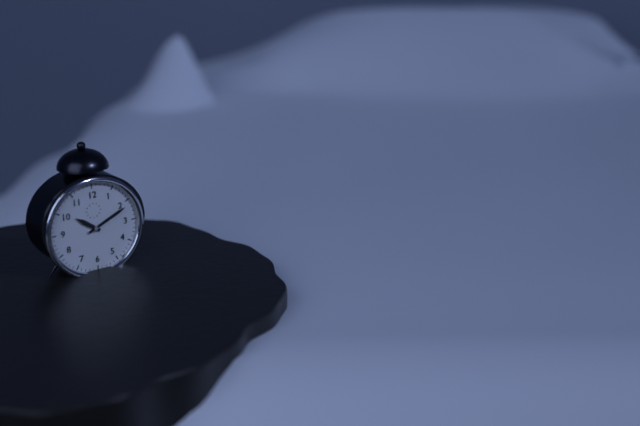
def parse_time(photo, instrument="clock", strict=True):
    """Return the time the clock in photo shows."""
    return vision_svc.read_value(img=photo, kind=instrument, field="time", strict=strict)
10:11
